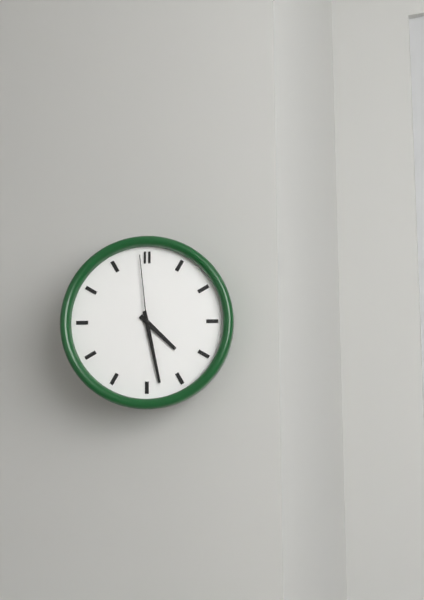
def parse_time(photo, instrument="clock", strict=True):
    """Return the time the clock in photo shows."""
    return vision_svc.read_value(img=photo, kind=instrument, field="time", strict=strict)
4:28:59
